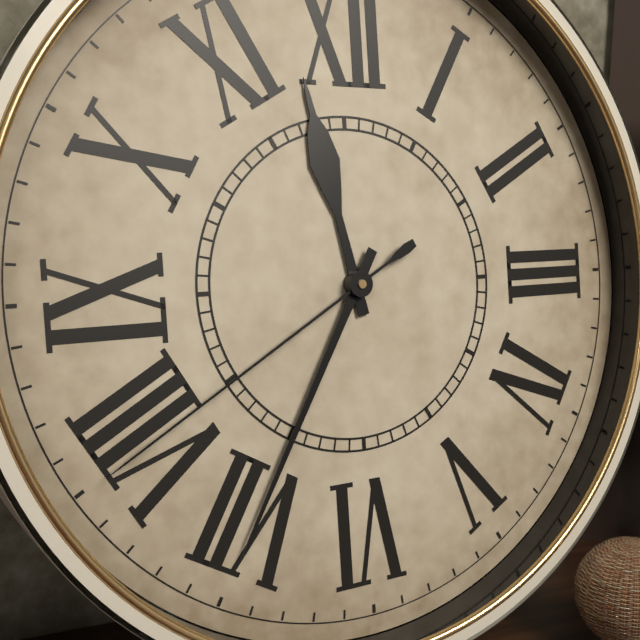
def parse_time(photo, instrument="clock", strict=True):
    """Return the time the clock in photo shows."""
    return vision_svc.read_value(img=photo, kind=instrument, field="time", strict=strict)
11:35:40
